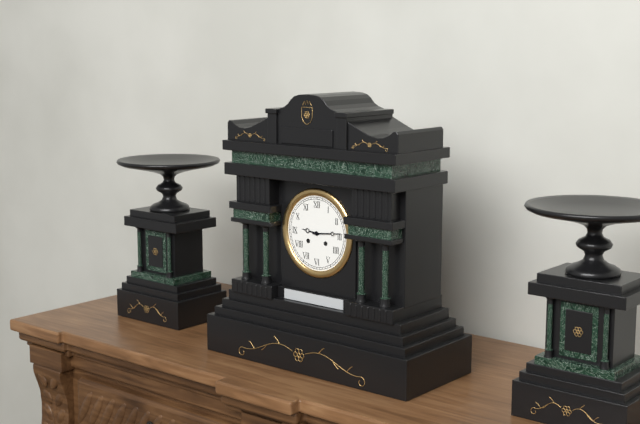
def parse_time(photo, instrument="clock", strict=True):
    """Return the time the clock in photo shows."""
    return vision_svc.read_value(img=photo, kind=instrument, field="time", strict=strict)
9:14
